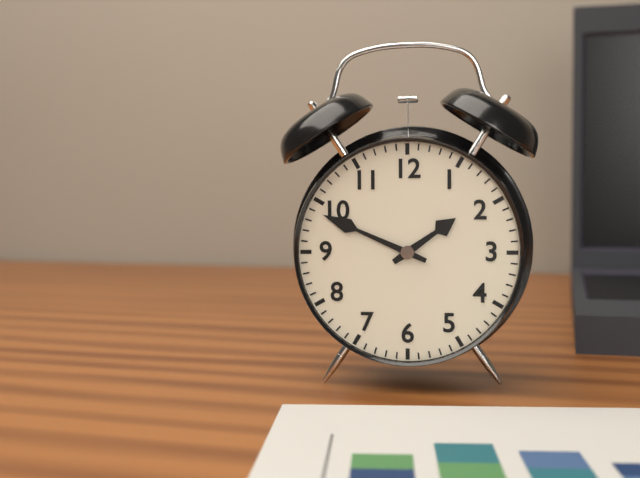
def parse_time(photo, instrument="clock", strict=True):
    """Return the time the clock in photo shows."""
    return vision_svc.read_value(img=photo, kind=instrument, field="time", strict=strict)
1:49
